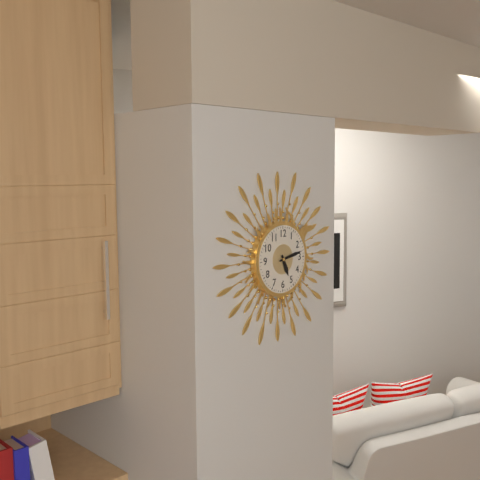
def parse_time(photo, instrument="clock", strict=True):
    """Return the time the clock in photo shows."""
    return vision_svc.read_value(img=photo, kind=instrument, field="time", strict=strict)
5:13
